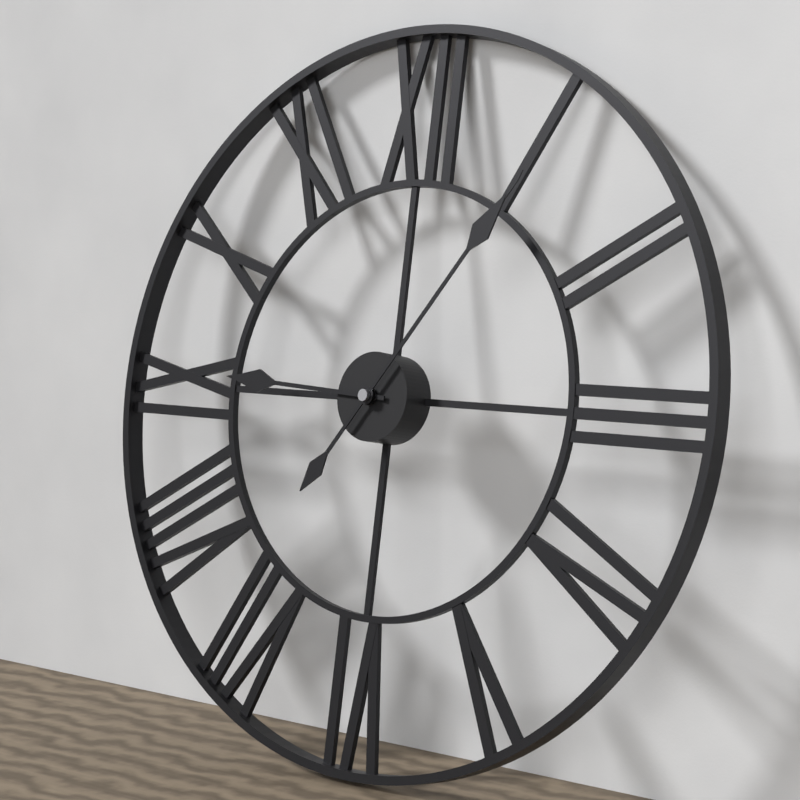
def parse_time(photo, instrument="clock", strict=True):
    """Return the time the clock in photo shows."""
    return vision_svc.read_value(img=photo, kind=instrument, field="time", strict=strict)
9:06
